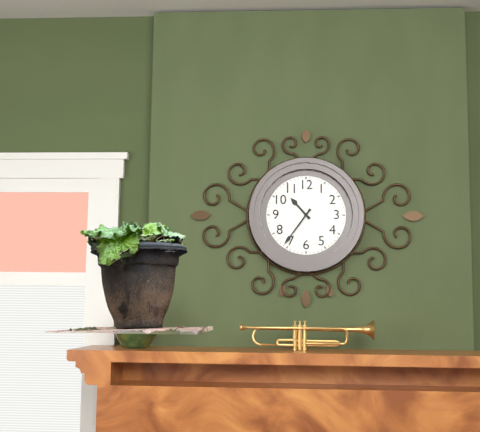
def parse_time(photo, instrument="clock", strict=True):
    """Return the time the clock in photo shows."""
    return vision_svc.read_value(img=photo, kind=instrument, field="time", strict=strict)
10:36
